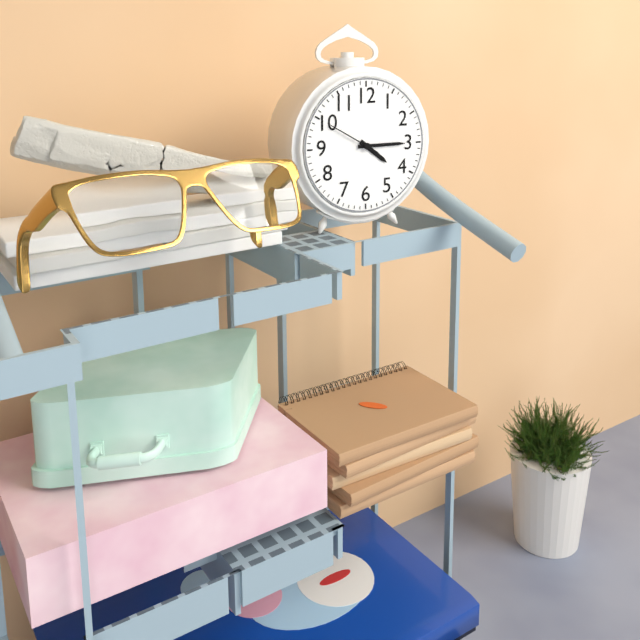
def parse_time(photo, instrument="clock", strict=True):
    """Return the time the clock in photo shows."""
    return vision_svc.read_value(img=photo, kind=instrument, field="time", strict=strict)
4:15:50
